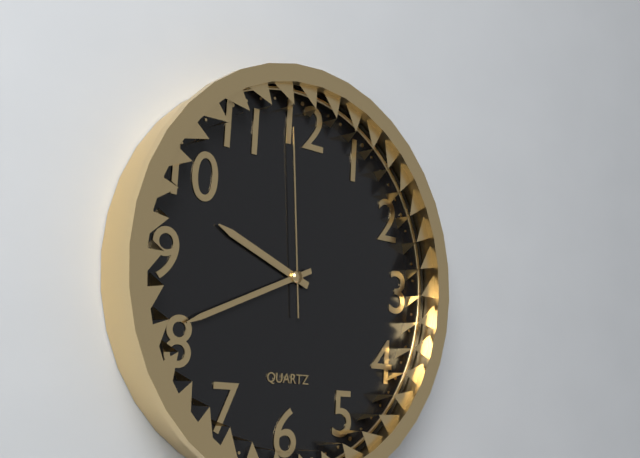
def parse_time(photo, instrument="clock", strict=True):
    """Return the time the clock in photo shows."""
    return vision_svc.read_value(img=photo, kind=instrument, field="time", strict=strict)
9:41:59
